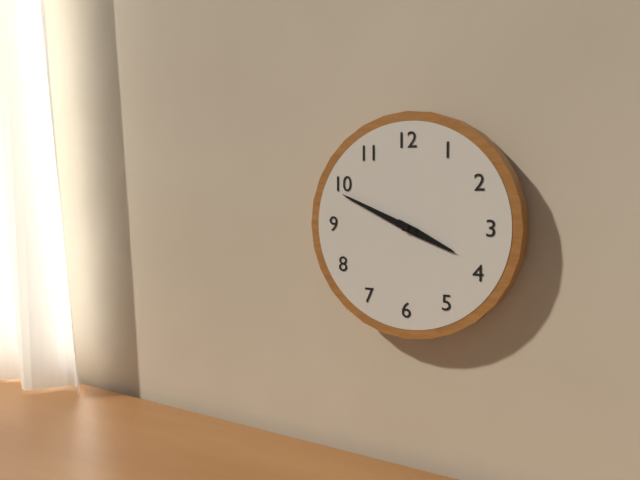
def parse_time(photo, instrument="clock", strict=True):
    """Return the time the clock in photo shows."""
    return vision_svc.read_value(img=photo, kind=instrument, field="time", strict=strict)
3:49
